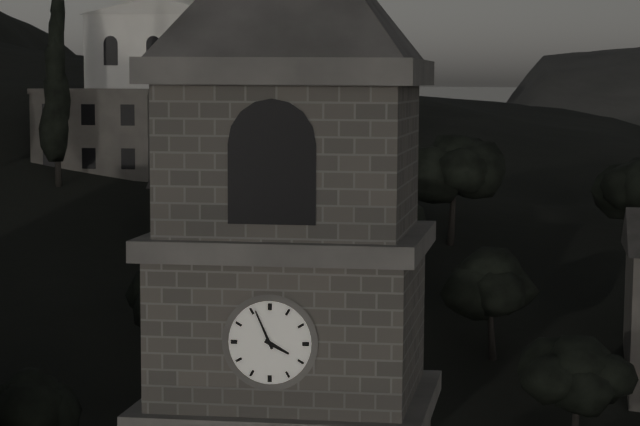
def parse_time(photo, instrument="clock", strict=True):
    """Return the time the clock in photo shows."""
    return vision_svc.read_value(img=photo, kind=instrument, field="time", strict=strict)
3:56
